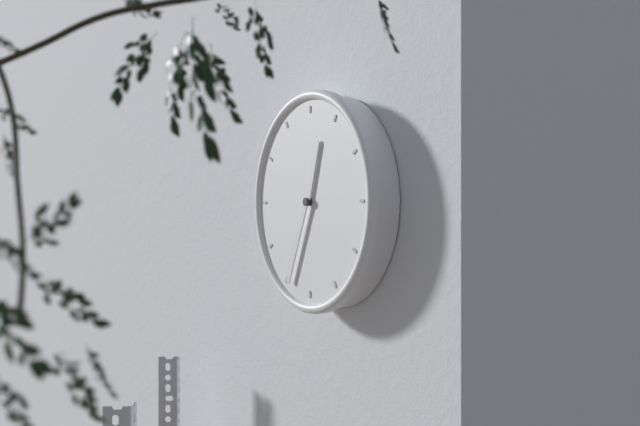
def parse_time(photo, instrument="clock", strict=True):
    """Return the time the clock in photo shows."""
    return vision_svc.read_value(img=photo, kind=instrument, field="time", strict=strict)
12:34
